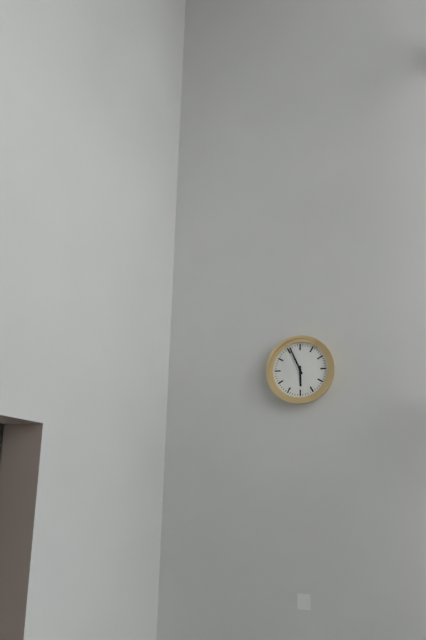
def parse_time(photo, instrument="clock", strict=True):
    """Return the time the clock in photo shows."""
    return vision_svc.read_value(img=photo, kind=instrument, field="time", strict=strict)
5:56
